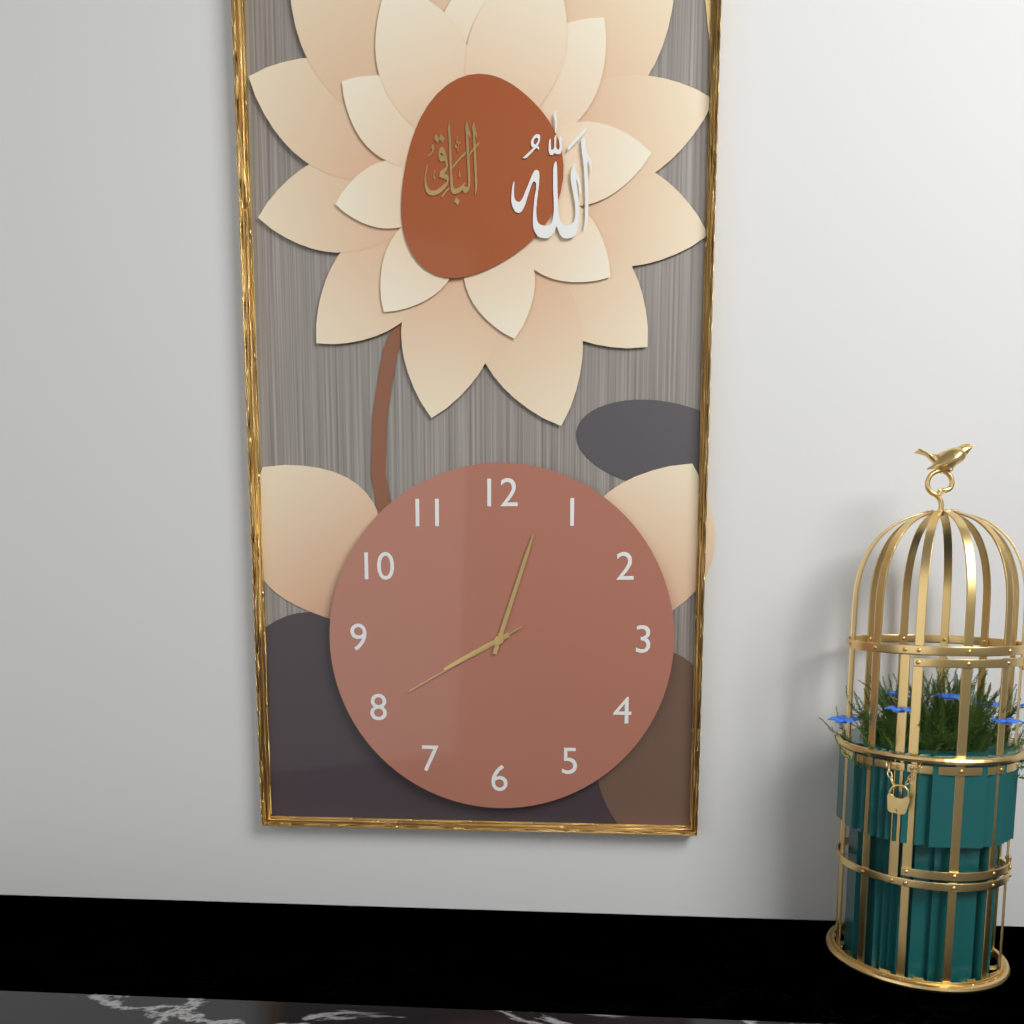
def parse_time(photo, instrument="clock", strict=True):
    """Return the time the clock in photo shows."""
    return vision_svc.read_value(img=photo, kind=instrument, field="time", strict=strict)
8:03:40
